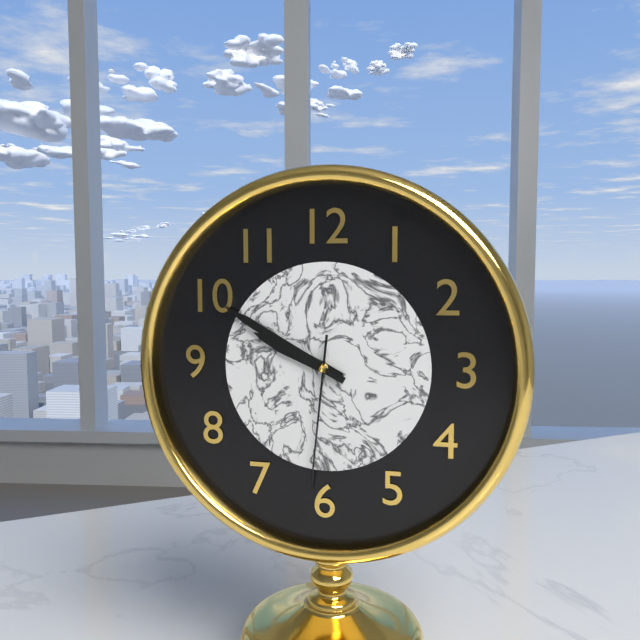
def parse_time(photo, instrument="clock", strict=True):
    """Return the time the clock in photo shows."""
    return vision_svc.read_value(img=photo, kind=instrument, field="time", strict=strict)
9:50:31
